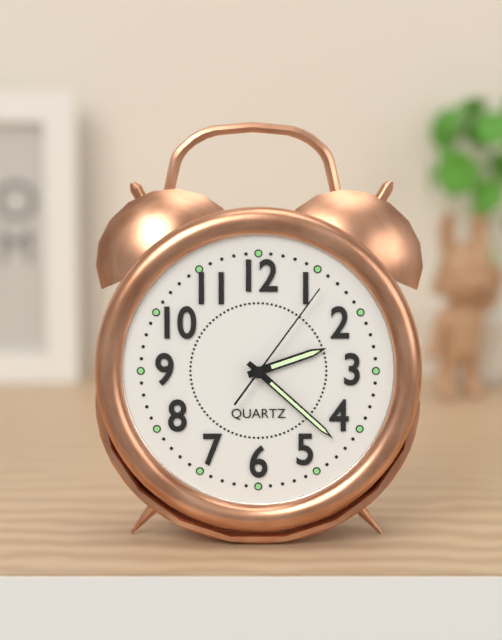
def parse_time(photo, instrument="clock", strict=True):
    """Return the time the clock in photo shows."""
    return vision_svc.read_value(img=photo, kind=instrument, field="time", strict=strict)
2:22:06
